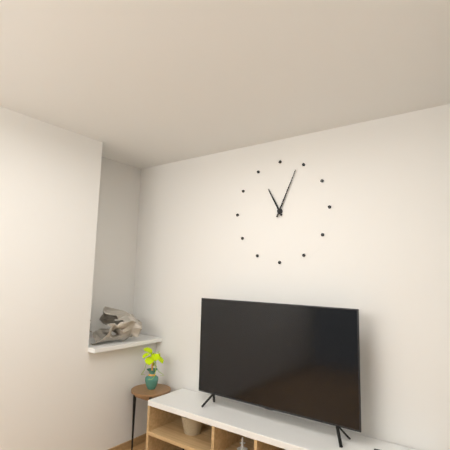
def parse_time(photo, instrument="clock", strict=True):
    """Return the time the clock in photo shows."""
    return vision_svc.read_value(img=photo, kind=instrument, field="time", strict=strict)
11:04
